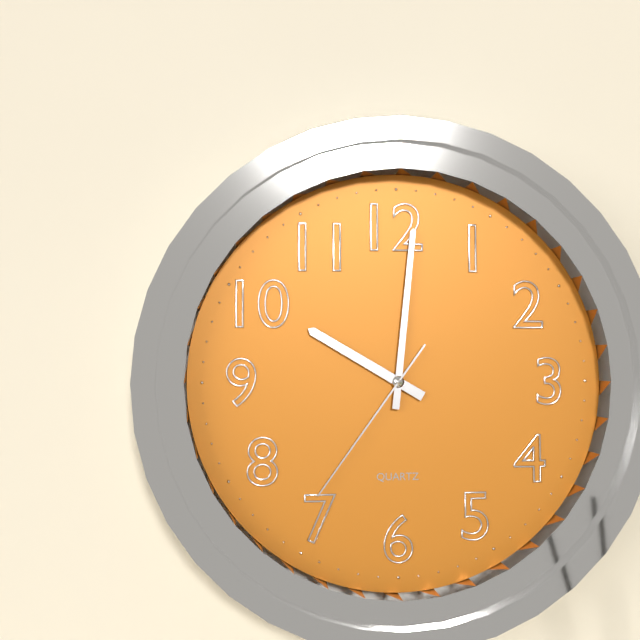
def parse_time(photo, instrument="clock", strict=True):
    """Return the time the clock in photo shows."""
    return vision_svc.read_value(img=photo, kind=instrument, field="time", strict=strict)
10:01:36
